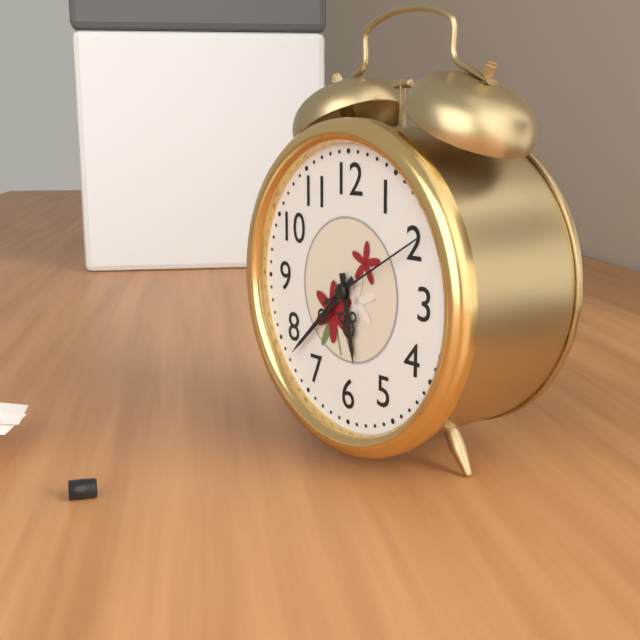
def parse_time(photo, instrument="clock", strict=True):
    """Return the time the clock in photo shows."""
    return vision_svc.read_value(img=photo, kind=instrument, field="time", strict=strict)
5:38:10
